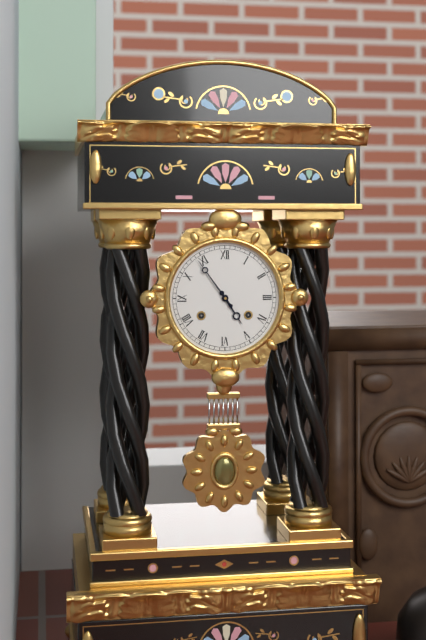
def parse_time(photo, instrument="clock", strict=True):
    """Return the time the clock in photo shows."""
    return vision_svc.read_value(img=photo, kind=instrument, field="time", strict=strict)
4:54
